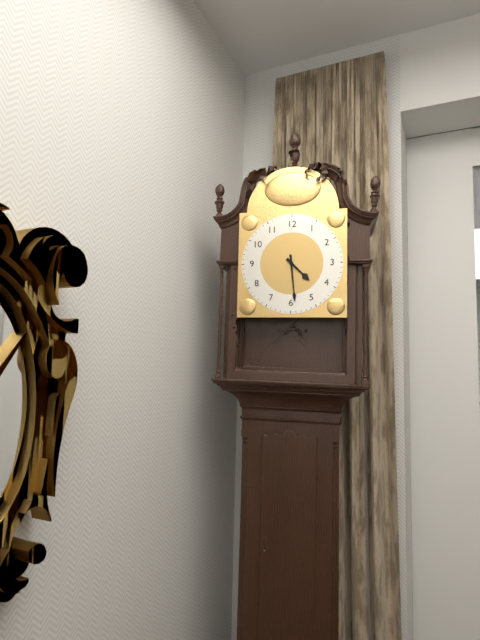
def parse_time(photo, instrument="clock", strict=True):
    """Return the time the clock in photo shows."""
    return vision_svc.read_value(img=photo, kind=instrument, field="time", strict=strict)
4:29
